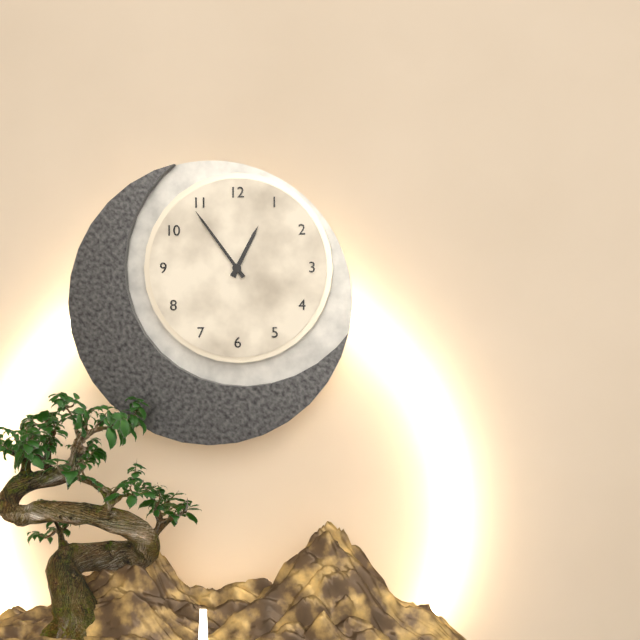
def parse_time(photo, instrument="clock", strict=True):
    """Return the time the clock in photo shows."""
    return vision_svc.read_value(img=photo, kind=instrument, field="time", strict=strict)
12:54
